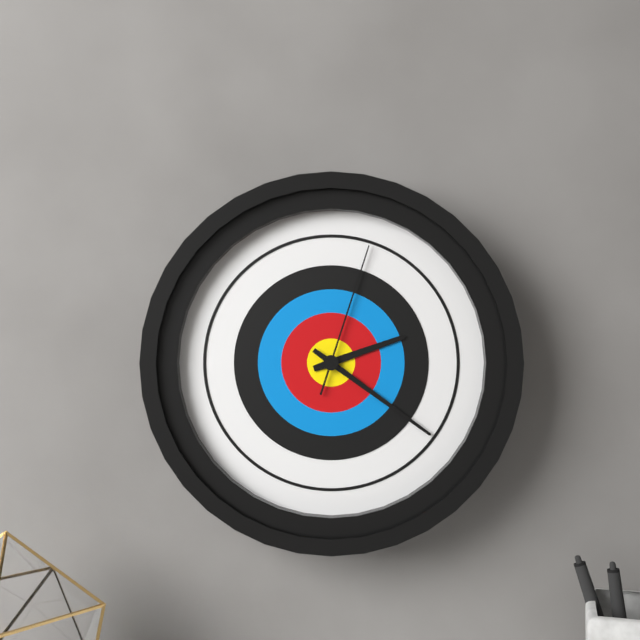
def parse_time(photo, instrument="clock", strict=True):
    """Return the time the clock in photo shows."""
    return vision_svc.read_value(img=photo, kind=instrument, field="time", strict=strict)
2:21:03
